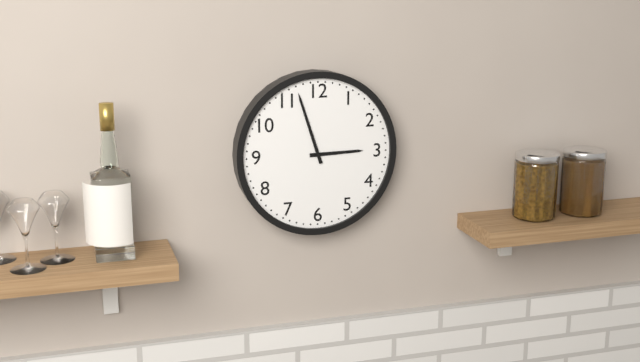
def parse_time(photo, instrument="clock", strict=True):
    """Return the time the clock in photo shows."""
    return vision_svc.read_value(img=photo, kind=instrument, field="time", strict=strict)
2:57
